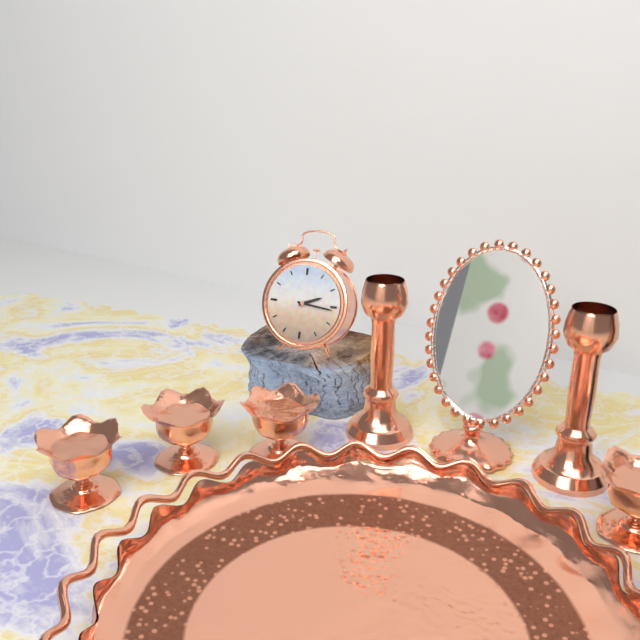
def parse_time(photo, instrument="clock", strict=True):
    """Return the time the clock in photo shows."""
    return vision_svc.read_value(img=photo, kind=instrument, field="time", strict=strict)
2:16
